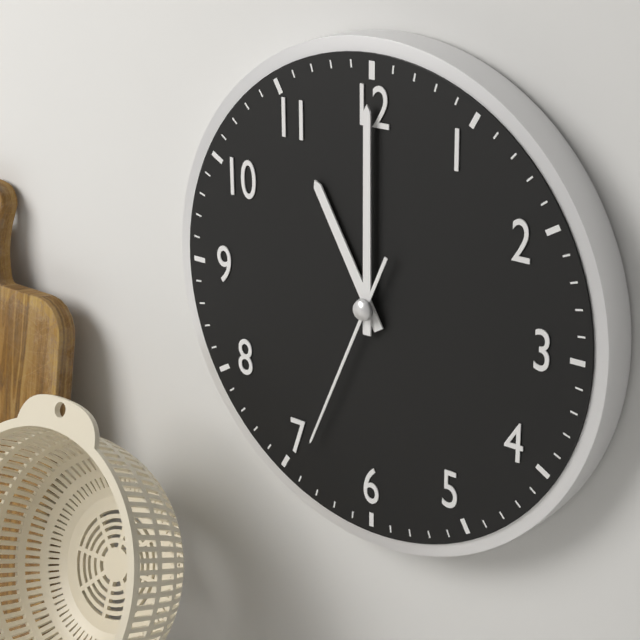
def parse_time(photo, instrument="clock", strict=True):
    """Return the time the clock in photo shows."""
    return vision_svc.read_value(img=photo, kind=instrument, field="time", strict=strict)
11:00:34
